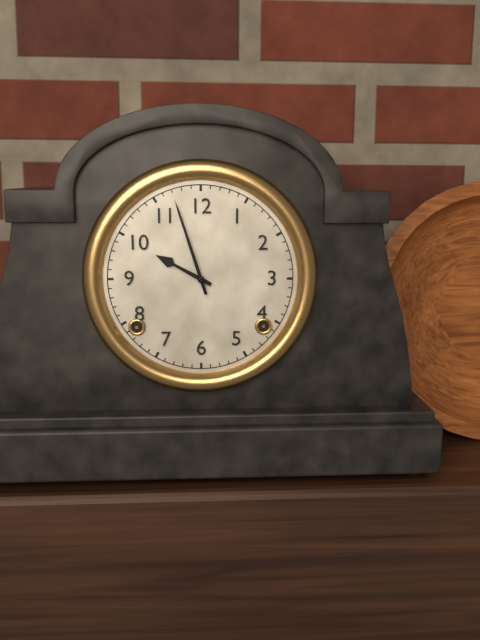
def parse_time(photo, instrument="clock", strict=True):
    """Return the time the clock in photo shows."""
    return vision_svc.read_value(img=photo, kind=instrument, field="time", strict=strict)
9:57
